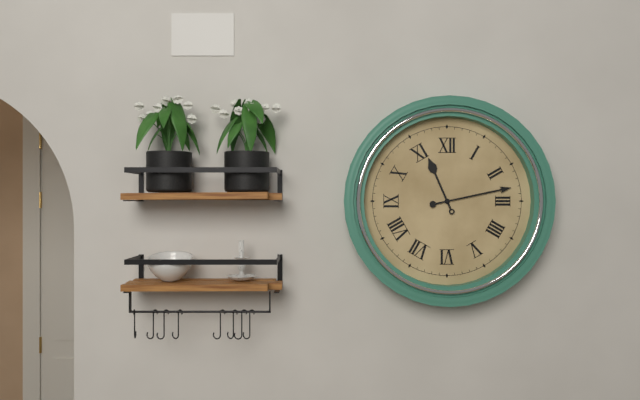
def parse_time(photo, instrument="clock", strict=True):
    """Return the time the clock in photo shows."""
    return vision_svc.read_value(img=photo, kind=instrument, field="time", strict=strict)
11:13
